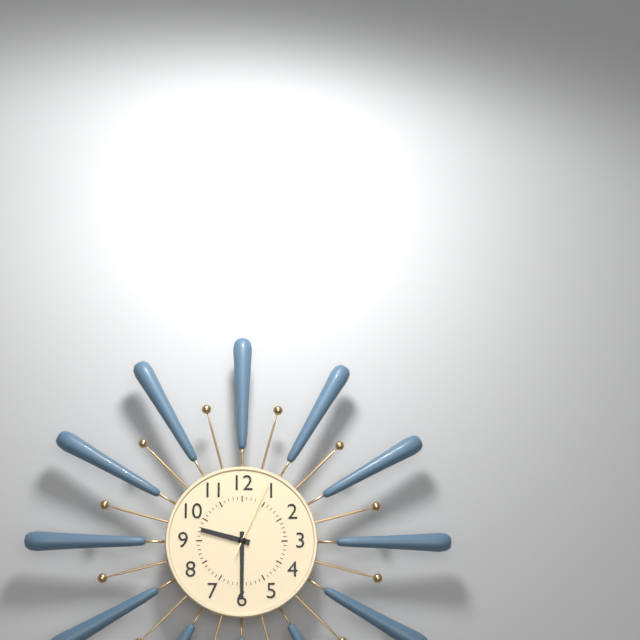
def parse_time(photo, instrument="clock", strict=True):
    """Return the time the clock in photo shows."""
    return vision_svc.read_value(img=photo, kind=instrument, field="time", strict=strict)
9:30:04
